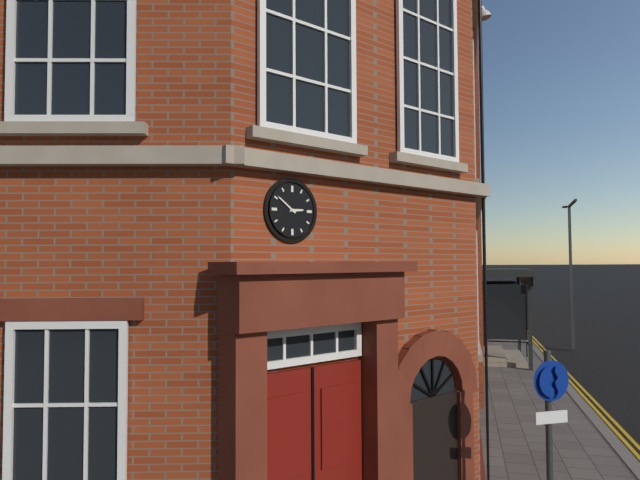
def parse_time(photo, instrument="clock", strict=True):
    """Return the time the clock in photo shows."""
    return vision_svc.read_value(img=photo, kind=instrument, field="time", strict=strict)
2:51
